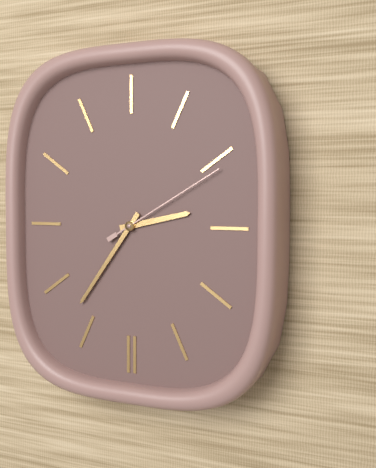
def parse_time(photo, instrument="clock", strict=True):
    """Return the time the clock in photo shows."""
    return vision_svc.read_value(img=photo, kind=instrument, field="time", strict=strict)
2:36:10
